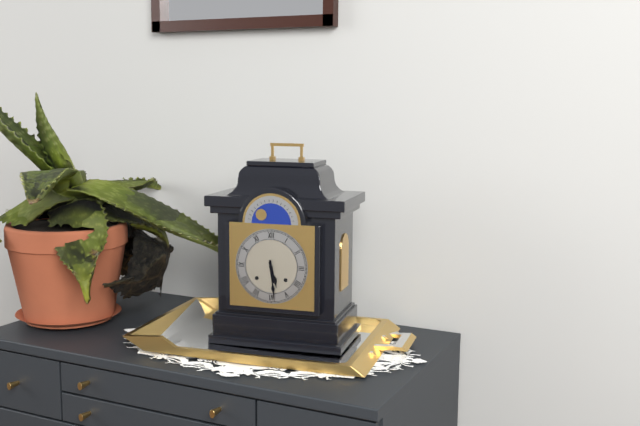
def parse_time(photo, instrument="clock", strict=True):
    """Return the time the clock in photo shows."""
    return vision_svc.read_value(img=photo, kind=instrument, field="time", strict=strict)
5:29
